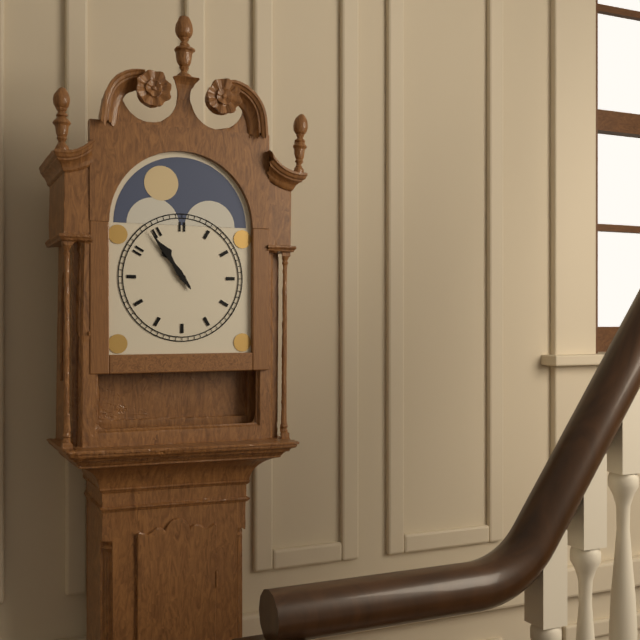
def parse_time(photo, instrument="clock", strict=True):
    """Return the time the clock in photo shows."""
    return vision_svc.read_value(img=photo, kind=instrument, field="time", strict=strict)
10:54
